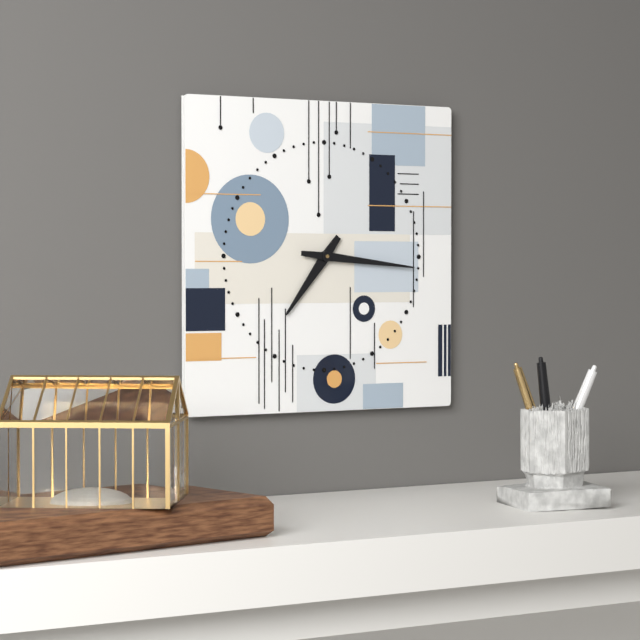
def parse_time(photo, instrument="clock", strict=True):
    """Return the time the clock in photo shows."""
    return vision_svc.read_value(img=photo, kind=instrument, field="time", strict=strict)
7:16
